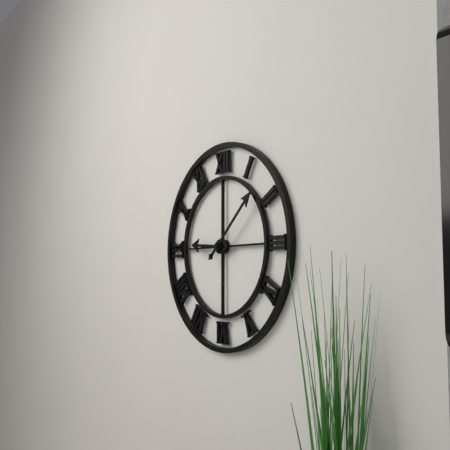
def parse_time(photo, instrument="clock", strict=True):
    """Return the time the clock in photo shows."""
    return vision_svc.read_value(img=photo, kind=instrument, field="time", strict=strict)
9:08
